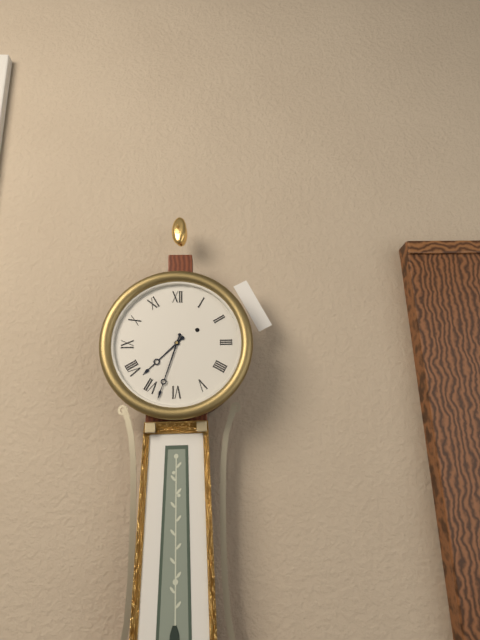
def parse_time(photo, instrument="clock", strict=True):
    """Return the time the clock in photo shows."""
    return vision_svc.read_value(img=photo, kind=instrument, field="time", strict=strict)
7:33
